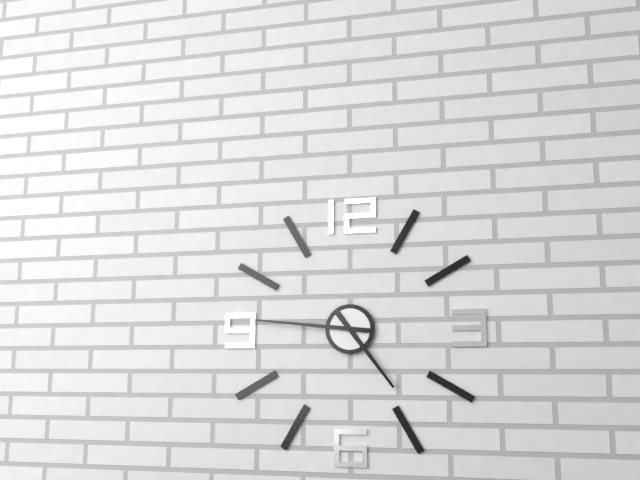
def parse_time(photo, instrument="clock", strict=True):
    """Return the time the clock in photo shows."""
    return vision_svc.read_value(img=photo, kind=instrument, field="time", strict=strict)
4:46
